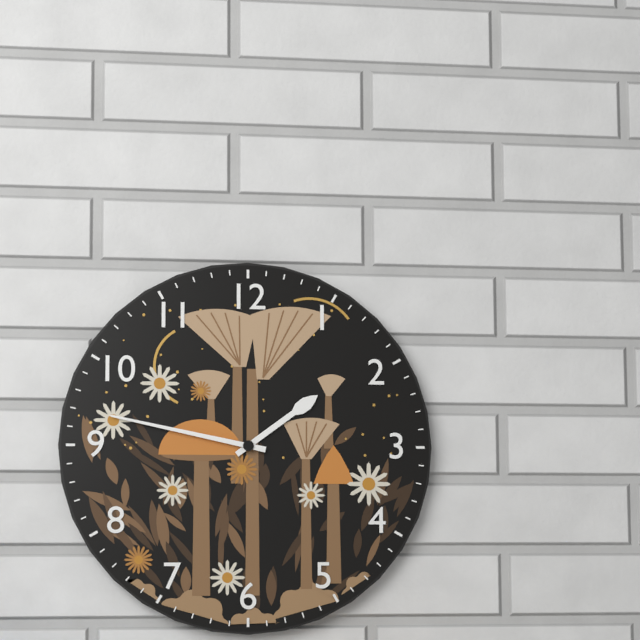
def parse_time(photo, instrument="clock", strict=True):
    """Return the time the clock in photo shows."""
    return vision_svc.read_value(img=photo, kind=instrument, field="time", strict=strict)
1:47
